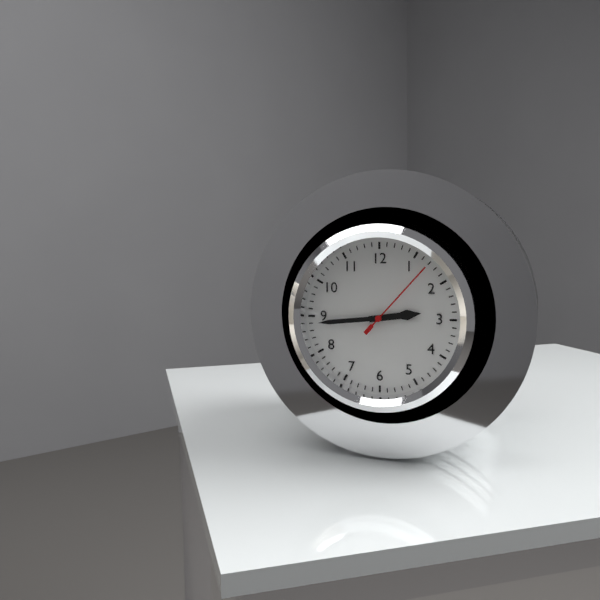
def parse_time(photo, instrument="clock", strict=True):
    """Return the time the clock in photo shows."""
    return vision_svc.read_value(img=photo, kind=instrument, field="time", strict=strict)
2:44:07
